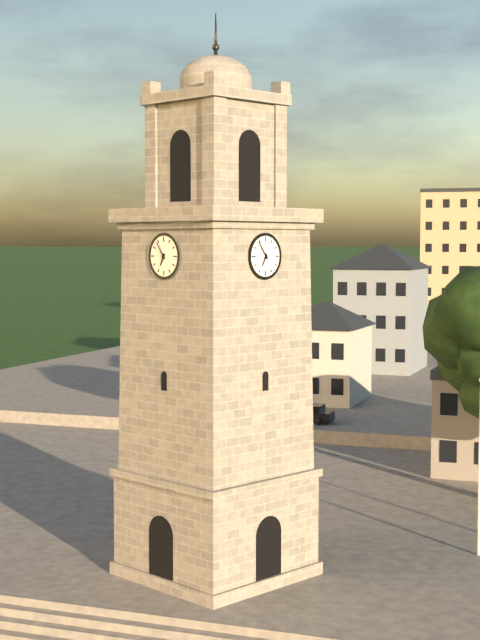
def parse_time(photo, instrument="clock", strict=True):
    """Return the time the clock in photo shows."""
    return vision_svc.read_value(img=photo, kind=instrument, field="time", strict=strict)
6:54
